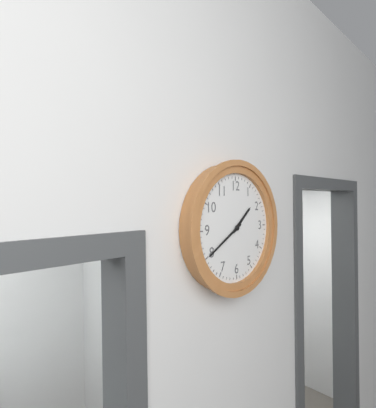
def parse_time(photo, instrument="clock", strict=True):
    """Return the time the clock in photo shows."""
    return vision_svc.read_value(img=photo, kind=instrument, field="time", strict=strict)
1:40
